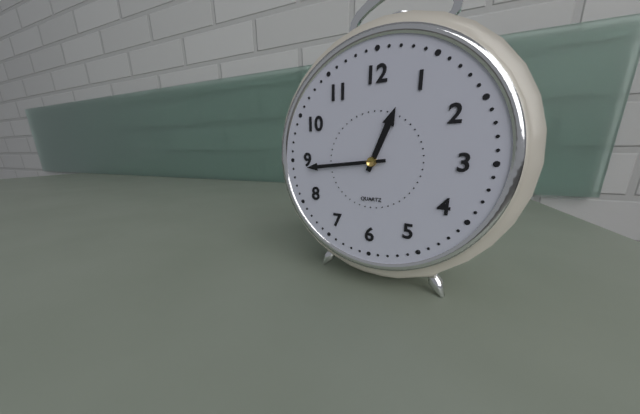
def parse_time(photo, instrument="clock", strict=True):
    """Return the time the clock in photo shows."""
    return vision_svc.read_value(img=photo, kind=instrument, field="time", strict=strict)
12:44
